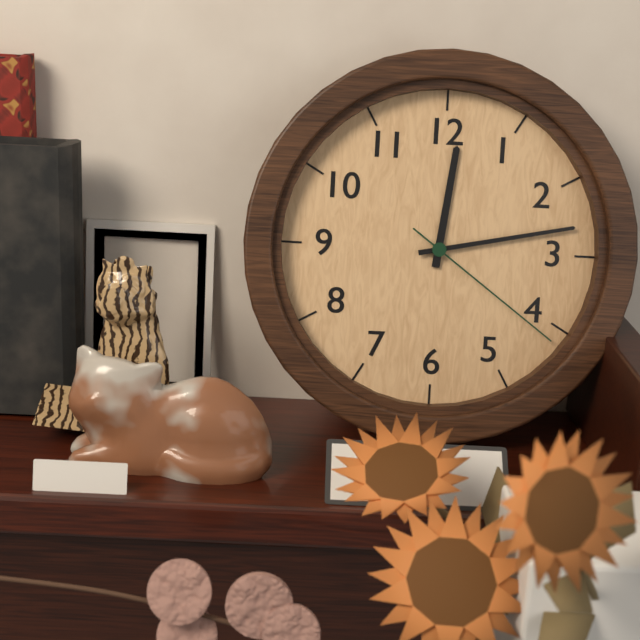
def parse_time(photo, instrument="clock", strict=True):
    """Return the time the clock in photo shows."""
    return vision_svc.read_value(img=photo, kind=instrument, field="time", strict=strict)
12:13:21
